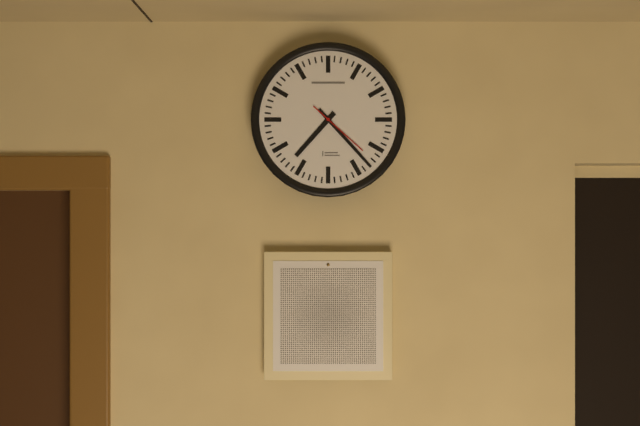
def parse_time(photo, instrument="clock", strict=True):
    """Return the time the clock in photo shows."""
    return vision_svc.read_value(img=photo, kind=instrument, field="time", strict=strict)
7:23:22
